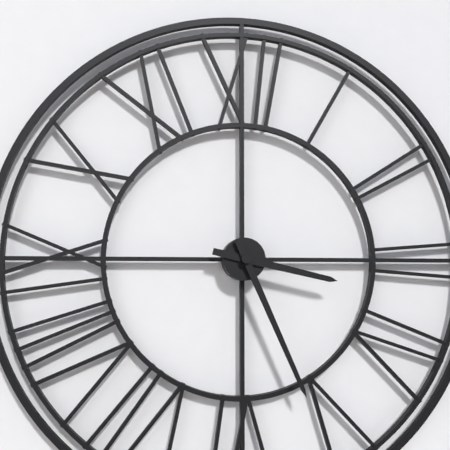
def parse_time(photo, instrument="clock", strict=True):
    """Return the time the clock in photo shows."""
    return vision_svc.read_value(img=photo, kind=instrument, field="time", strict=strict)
3:26
